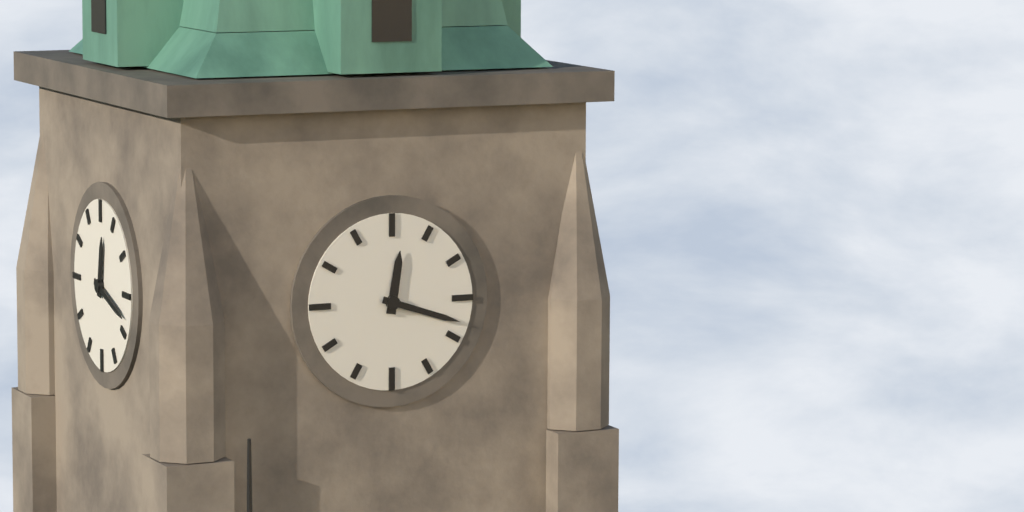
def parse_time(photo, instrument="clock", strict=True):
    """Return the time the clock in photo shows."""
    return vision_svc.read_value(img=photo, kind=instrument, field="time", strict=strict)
12:18
